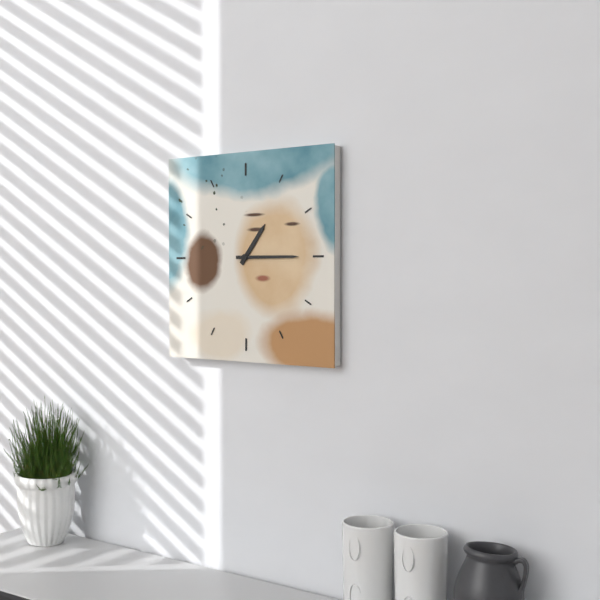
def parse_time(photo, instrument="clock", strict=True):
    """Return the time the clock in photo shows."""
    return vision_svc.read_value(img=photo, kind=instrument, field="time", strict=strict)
1:15
